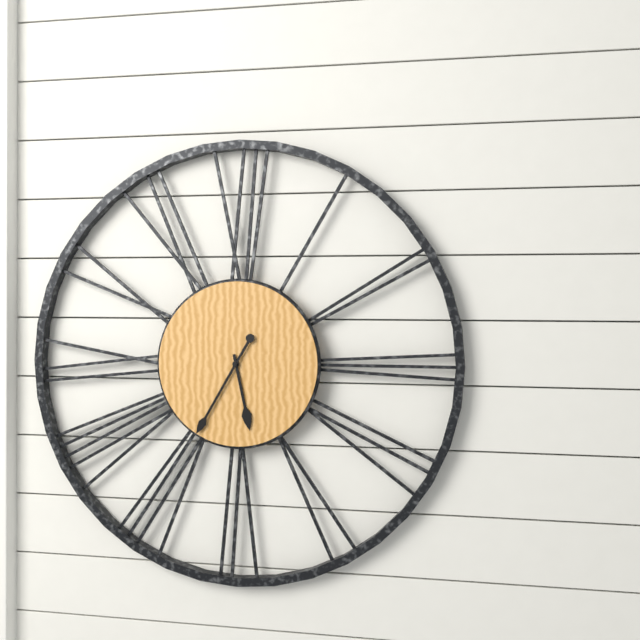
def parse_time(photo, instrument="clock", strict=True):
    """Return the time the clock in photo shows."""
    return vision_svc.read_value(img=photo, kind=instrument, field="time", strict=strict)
5:35
